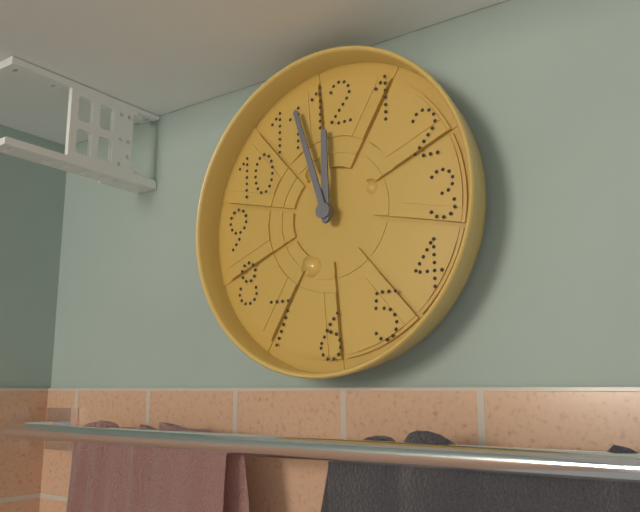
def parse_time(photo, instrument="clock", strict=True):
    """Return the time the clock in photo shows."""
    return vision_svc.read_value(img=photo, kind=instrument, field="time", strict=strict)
11:57
